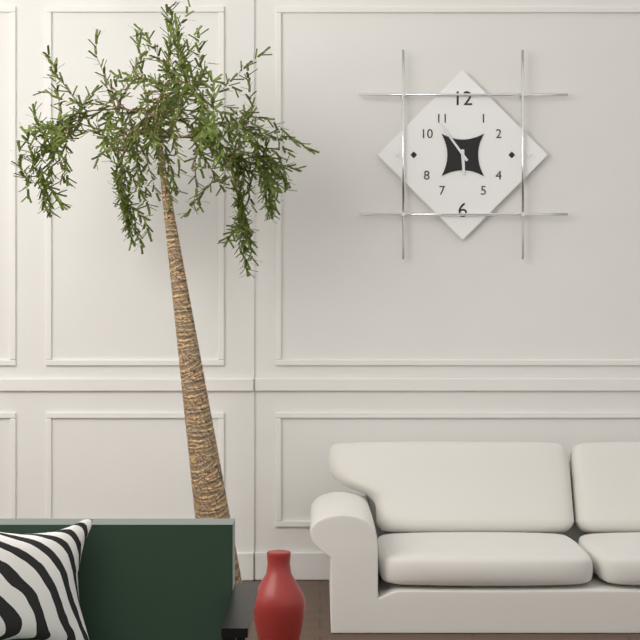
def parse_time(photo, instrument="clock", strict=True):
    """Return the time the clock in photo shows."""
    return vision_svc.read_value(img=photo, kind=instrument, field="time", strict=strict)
5:54
